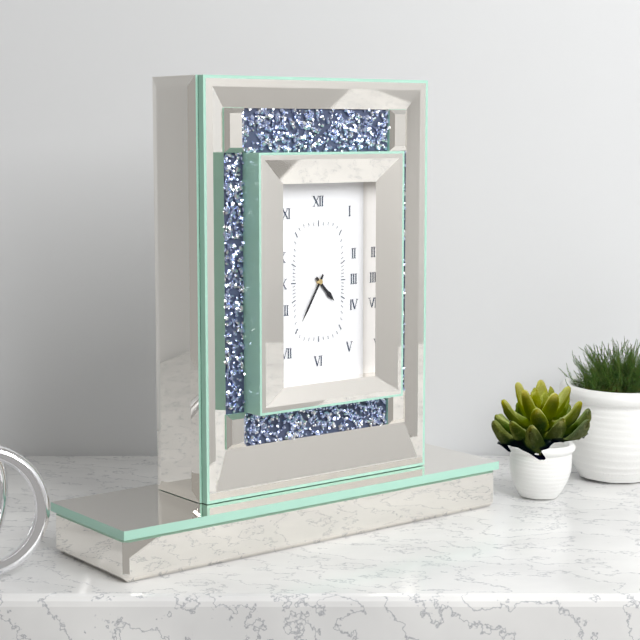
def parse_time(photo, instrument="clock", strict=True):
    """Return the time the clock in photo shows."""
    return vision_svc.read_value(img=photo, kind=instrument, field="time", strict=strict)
4:35
